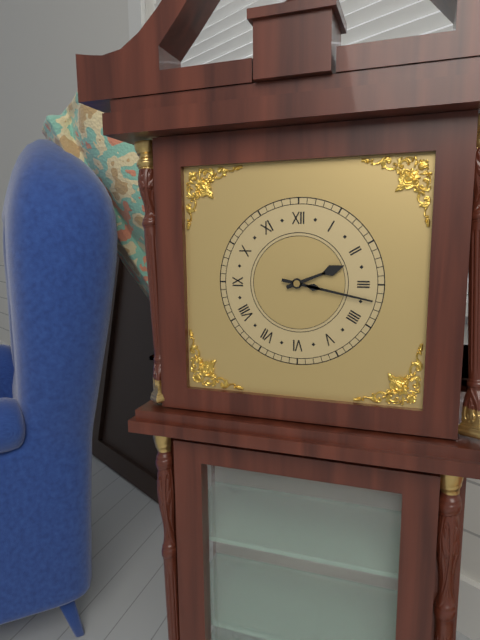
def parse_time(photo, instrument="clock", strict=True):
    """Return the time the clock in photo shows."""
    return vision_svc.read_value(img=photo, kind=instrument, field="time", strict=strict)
2:17
